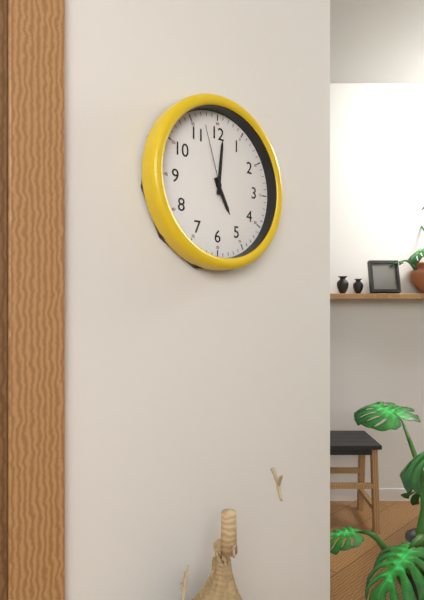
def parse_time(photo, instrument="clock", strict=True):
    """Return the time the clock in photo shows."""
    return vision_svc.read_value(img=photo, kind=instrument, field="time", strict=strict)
5:01:57
